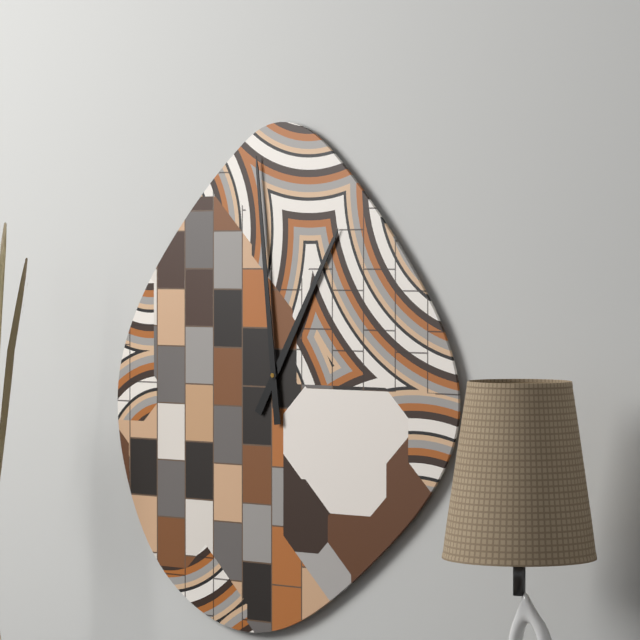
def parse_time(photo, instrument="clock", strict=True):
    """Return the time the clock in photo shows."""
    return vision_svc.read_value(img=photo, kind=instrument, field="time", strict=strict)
12:59
